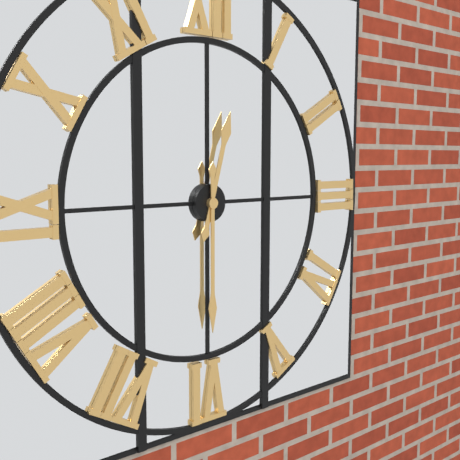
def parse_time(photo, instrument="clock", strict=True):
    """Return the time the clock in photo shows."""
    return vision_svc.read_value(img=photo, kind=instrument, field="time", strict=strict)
12:30
